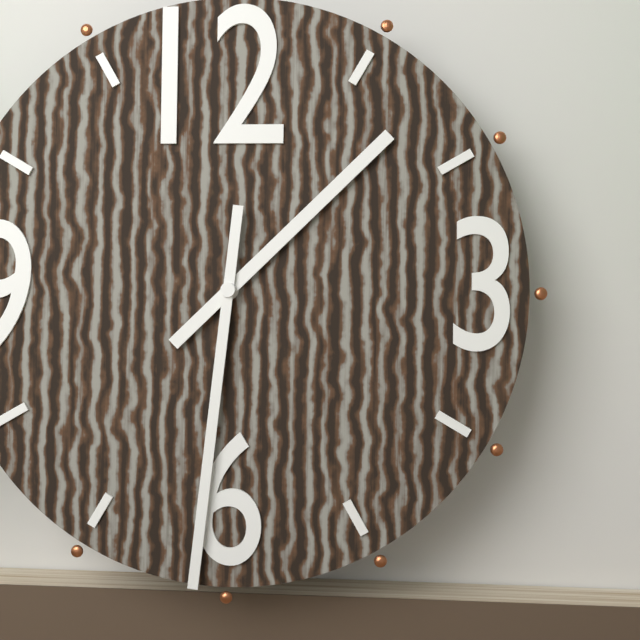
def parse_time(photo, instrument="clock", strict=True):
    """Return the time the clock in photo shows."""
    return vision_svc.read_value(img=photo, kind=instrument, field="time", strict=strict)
1:31
